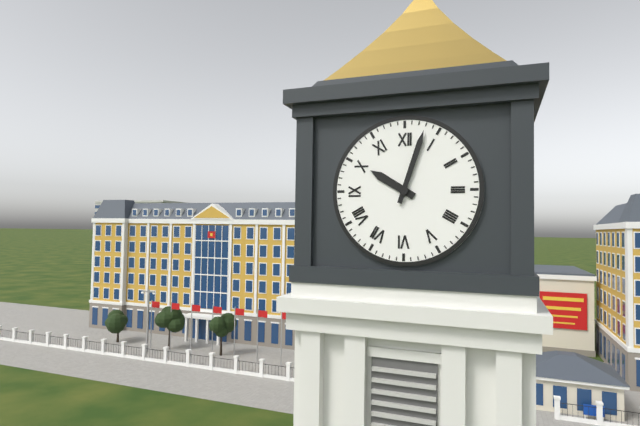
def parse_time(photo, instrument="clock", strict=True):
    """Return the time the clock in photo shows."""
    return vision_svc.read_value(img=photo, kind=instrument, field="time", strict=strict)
10:03
